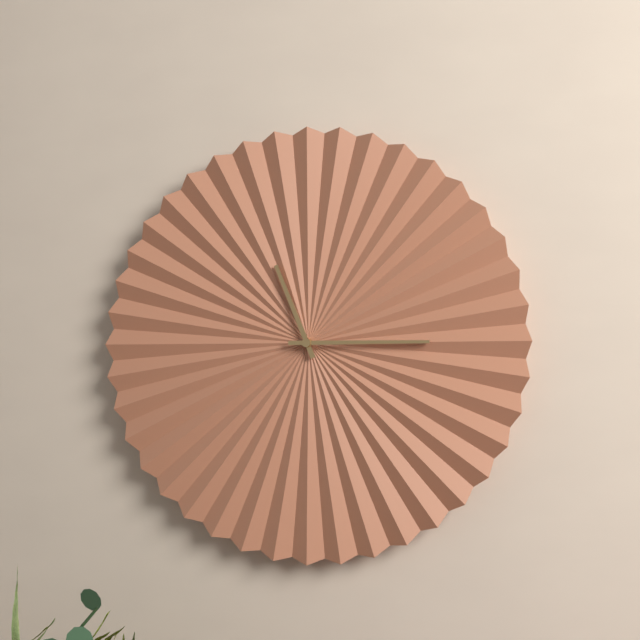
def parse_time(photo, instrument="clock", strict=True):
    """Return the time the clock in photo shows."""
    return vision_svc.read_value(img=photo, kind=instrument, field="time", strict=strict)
11:15
